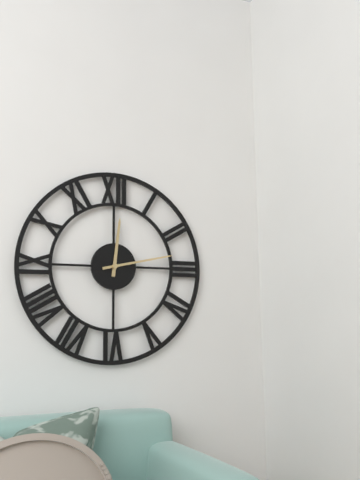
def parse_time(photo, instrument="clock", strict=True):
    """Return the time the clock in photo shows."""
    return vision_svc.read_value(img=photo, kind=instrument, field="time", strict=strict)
12:13
